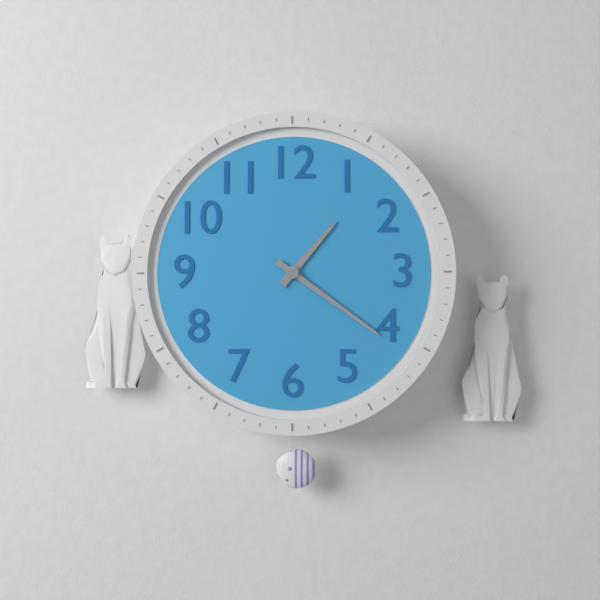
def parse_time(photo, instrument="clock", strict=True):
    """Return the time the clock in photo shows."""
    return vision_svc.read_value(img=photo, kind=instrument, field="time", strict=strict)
1:21
